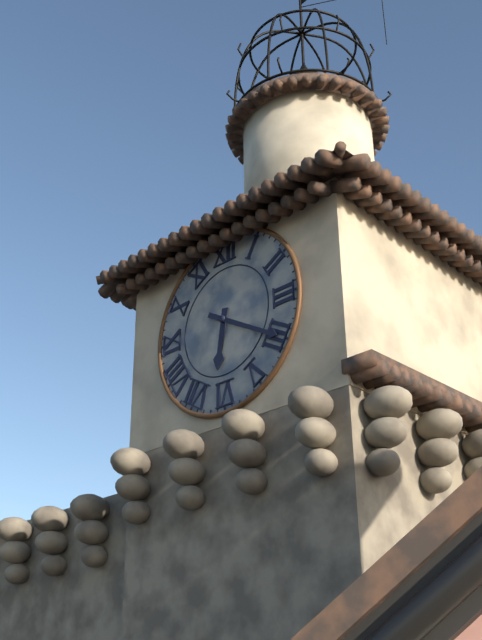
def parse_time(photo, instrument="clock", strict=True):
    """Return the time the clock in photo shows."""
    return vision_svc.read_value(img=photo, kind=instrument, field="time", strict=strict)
6:20
